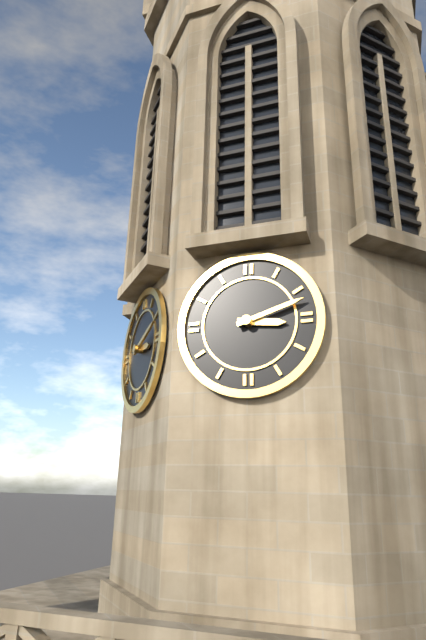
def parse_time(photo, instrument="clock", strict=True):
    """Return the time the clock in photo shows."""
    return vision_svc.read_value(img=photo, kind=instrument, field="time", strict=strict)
3:12
